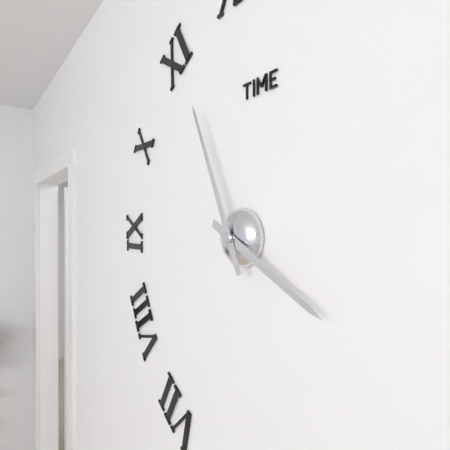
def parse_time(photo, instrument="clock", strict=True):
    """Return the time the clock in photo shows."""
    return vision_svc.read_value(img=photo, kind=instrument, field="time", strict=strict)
3:56
